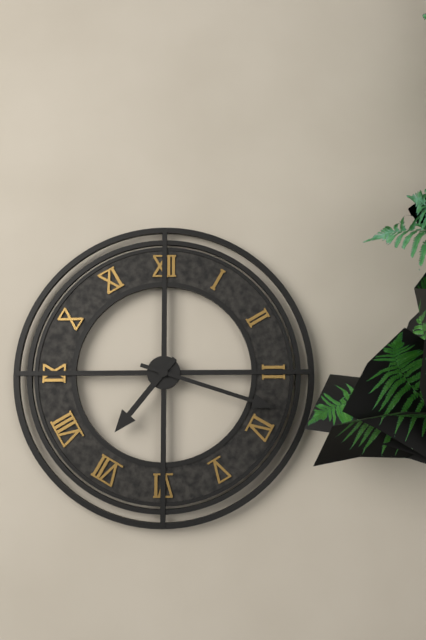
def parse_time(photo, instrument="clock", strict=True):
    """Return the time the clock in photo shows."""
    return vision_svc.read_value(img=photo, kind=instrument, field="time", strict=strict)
7:18
